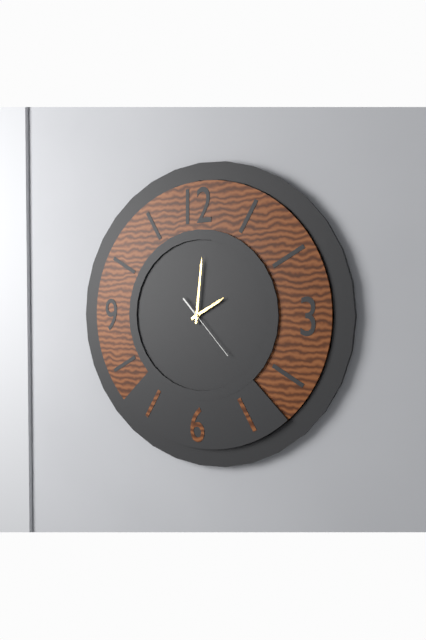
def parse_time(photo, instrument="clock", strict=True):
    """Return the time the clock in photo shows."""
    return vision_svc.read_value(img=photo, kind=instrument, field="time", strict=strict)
2:01:23
